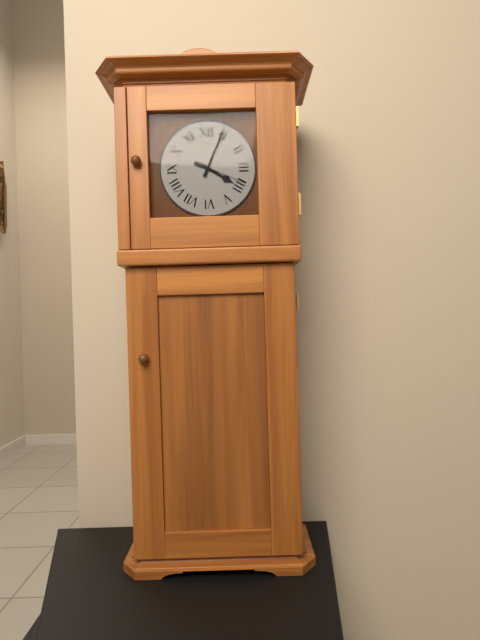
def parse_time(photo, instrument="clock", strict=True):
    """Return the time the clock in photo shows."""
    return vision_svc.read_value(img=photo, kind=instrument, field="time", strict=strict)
4:04:19
